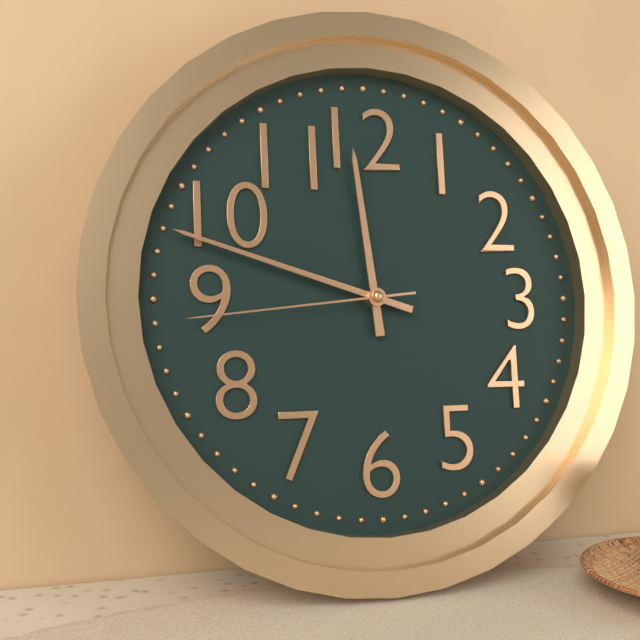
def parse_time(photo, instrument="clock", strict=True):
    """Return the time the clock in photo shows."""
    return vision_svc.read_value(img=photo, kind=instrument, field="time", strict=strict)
11:48:44
